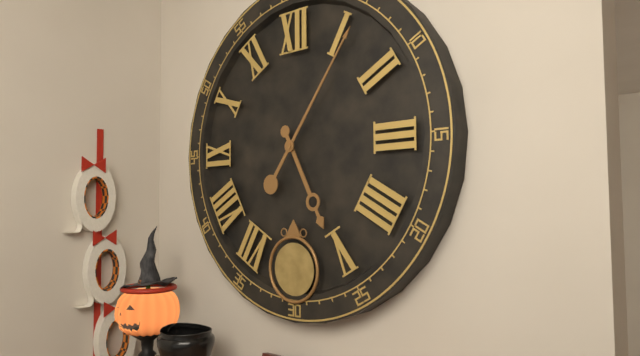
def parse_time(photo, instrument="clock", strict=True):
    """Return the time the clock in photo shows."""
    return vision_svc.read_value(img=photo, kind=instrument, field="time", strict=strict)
5:06
